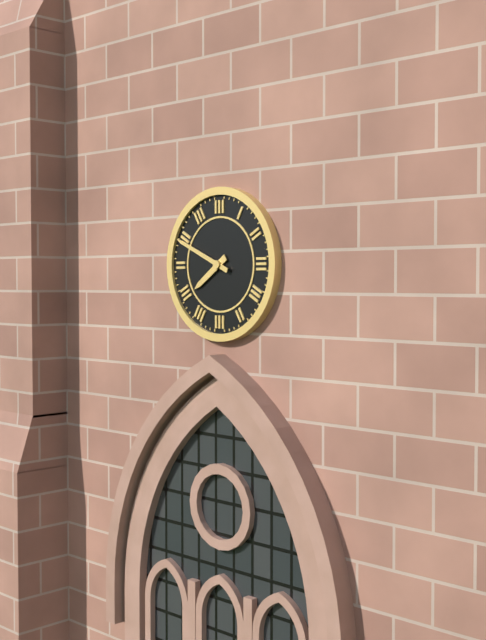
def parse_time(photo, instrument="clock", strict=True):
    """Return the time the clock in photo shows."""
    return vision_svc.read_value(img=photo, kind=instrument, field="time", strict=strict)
7:49
